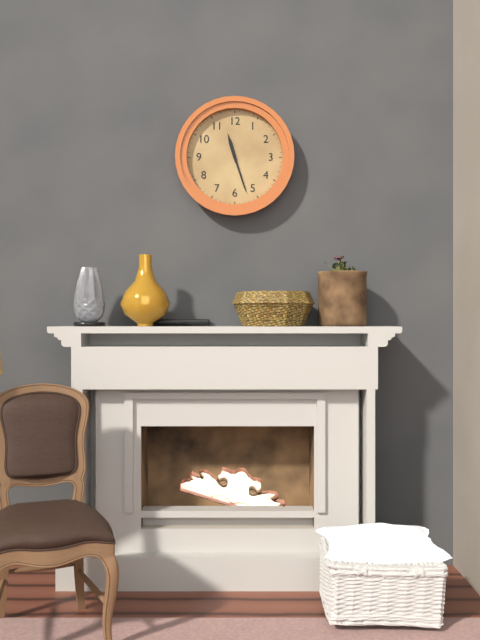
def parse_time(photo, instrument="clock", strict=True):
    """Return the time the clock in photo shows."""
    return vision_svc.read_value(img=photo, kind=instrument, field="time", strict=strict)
11:27
